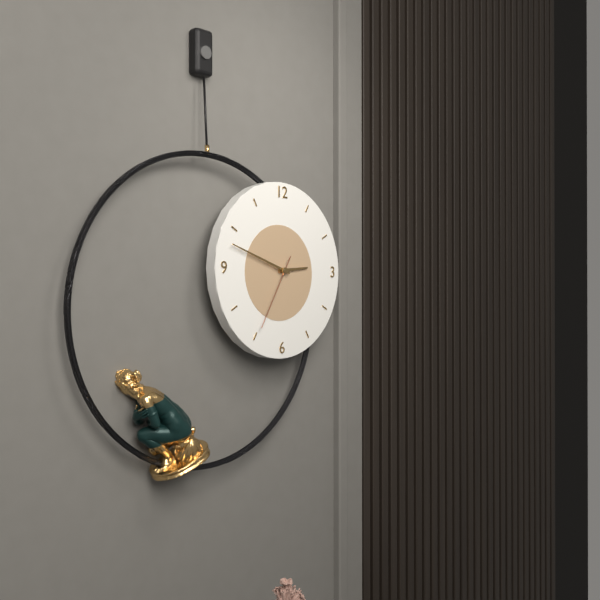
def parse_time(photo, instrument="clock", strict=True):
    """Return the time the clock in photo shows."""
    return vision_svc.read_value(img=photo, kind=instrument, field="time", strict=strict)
2:48:35
